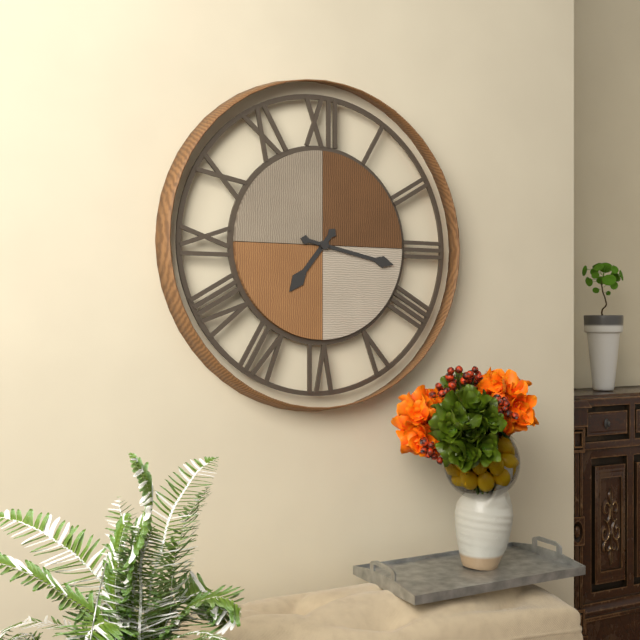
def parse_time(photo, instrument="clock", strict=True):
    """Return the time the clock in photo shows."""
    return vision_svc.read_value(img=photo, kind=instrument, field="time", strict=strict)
7:17
